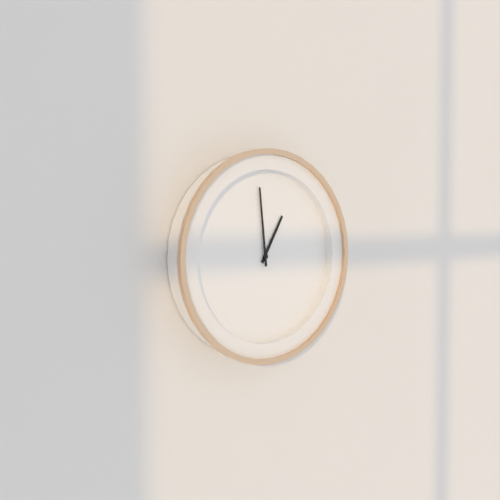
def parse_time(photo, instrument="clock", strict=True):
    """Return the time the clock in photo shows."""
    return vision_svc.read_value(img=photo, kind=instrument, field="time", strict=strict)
12:59
